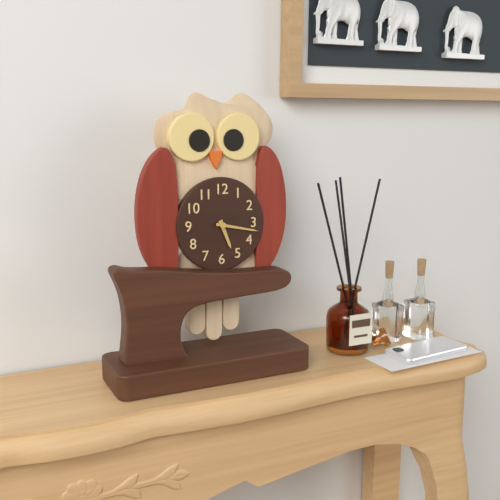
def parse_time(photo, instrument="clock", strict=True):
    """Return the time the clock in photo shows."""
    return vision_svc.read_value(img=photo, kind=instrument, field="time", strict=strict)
5:17
